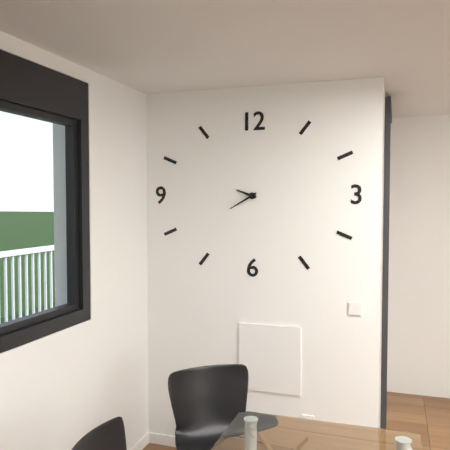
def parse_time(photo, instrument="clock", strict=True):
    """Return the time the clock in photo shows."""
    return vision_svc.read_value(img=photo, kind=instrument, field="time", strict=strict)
9:40
